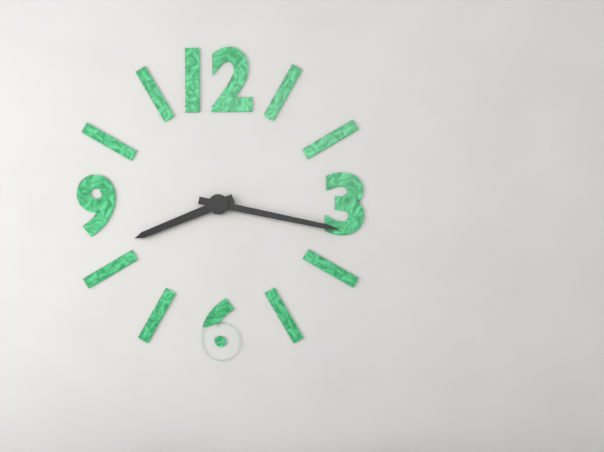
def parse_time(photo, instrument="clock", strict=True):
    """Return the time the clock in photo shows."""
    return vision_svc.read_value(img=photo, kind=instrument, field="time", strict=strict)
8:17
